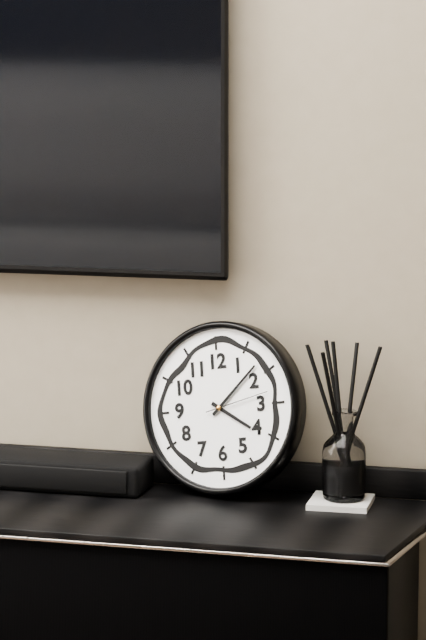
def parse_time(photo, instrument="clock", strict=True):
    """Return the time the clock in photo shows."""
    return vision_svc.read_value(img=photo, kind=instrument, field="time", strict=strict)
4:08:13
